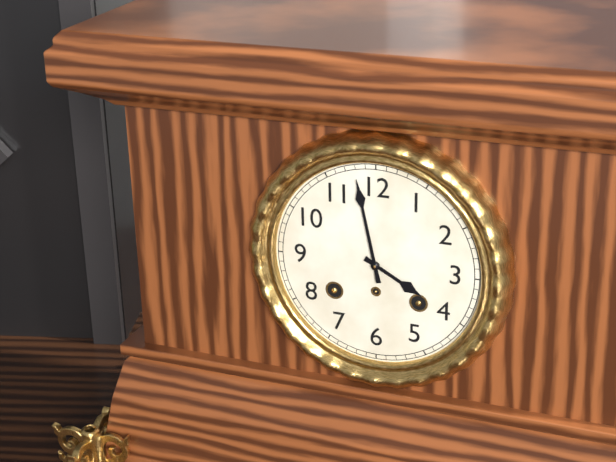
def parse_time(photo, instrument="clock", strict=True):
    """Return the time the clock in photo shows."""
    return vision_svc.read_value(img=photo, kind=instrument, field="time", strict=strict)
3:58
